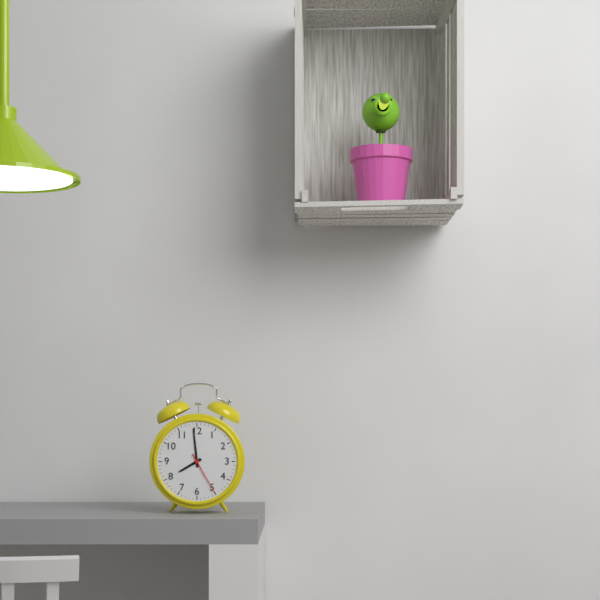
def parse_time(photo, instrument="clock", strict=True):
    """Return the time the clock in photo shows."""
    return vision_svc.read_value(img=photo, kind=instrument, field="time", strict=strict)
7:59
